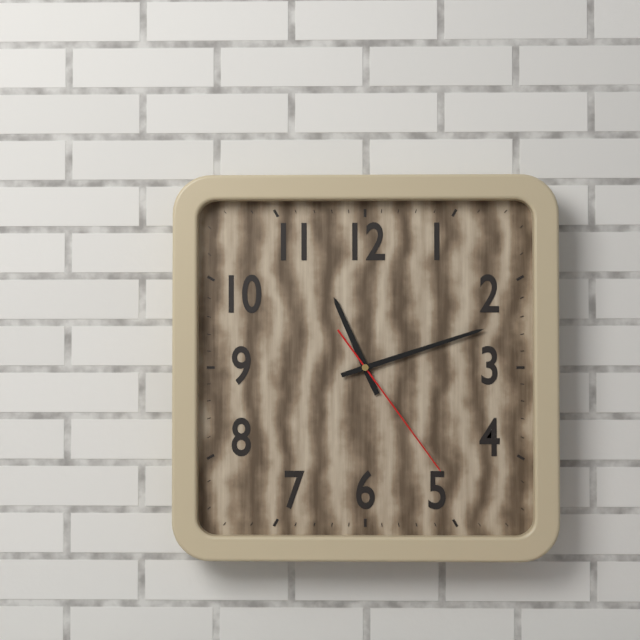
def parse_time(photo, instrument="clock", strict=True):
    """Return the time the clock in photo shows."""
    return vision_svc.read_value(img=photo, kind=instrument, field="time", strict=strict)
11:12:24
